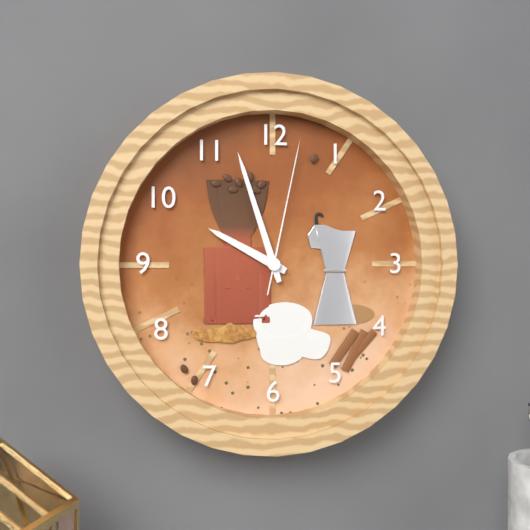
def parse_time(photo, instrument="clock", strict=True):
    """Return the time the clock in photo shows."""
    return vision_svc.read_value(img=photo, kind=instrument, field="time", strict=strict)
9:57:02
